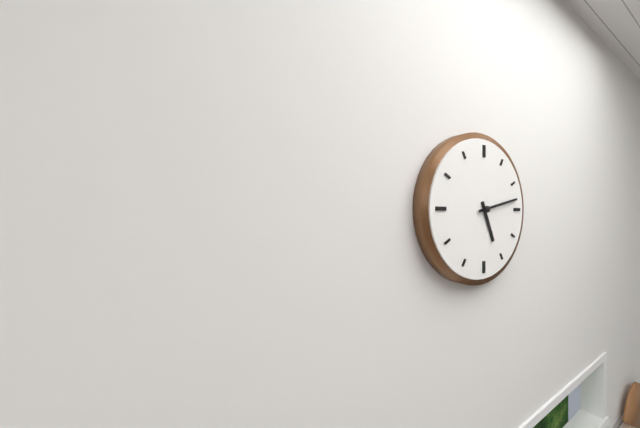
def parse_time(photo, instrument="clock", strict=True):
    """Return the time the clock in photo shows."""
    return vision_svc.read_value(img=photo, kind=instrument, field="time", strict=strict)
5:13
